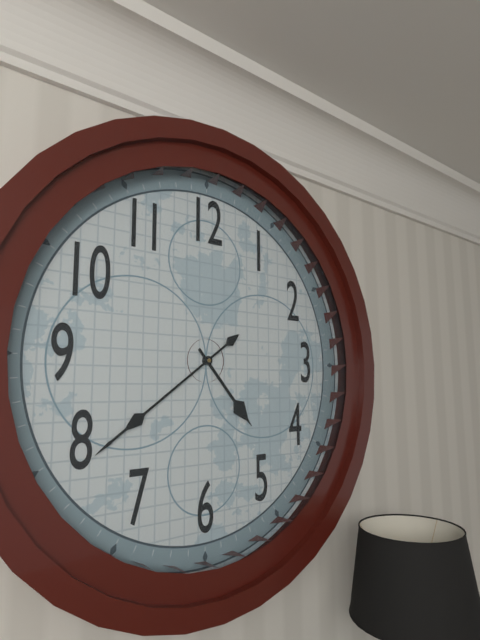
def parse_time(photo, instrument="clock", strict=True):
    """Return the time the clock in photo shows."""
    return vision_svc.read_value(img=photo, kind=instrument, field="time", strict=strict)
4:39
